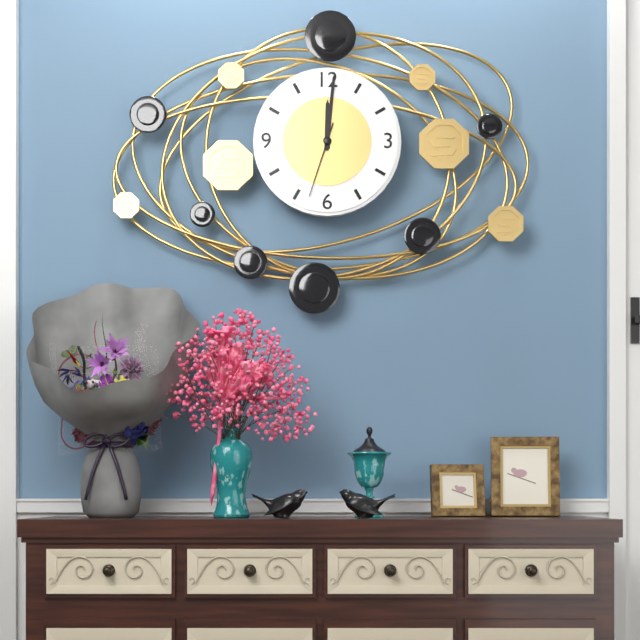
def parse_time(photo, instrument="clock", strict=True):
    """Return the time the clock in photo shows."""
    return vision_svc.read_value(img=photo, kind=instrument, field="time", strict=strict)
12:01:33
